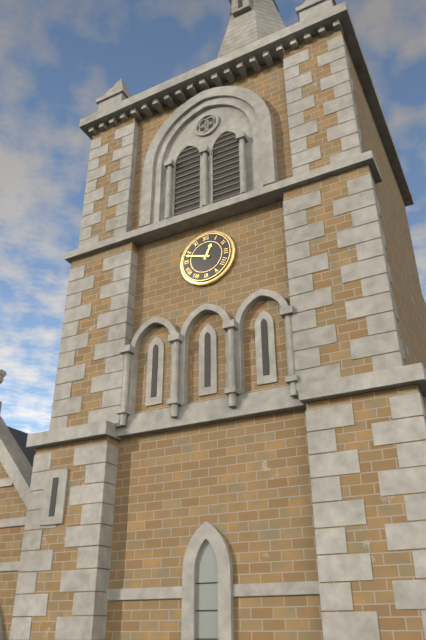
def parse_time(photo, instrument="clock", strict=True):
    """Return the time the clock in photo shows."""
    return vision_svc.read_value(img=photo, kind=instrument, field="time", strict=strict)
12:48
